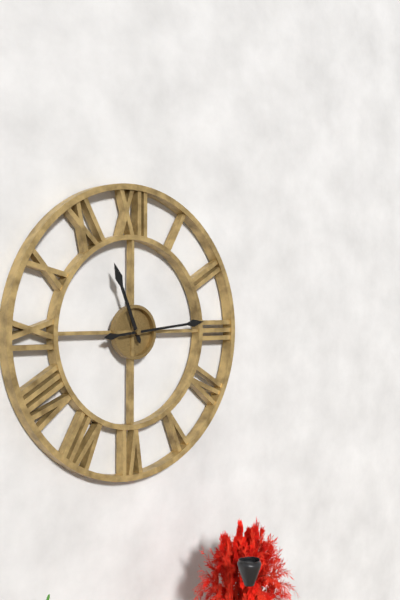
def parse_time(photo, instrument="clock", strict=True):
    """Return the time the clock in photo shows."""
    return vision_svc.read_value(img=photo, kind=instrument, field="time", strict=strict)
11:14
